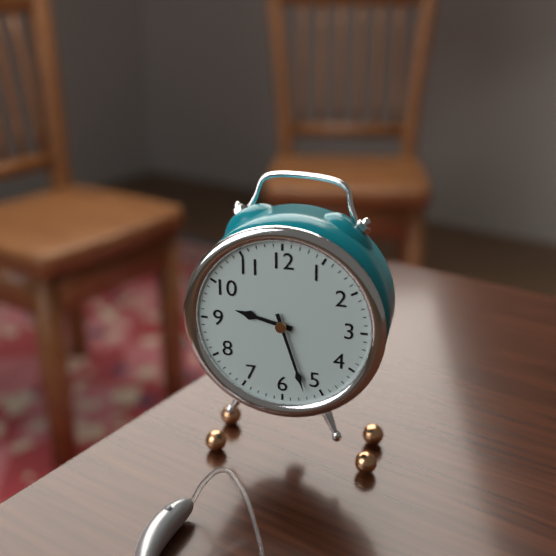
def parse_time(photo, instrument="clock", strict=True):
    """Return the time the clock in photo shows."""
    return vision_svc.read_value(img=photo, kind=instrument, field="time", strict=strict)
9:27
